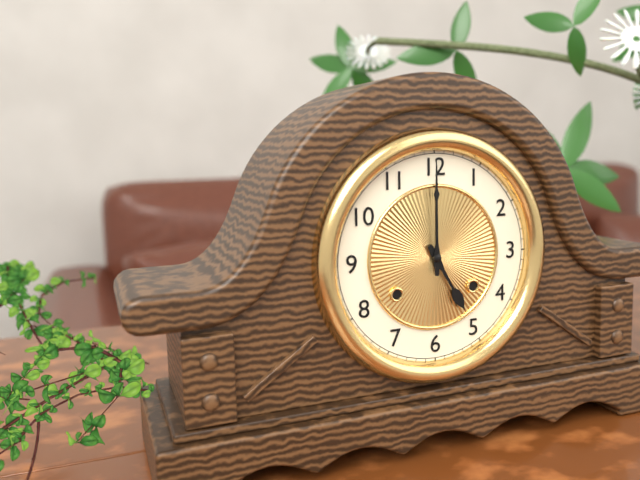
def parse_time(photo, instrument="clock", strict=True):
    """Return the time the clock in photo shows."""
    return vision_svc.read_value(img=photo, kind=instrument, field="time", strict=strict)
5:00
